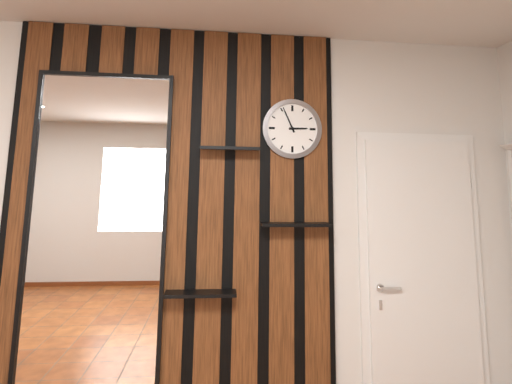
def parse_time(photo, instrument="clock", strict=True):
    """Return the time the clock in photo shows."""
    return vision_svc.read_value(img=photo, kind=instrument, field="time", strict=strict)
2:56
